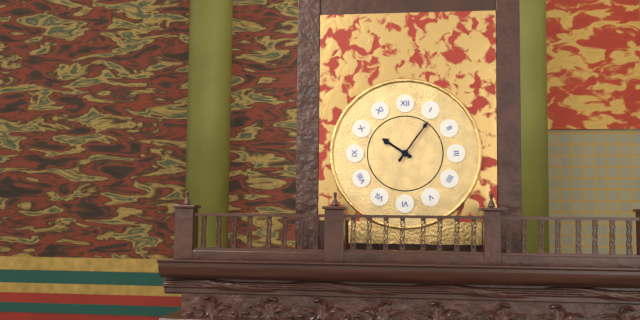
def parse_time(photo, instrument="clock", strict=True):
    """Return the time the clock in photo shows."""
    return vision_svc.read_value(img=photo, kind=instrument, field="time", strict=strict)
10:06
